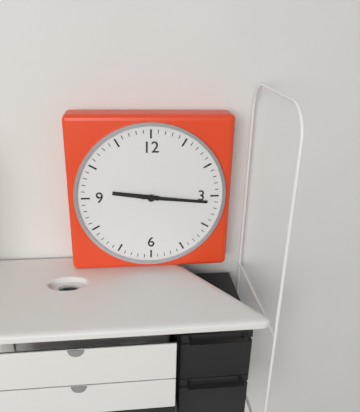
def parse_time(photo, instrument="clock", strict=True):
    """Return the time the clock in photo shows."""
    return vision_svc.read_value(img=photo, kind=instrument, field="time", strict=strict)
9:16
